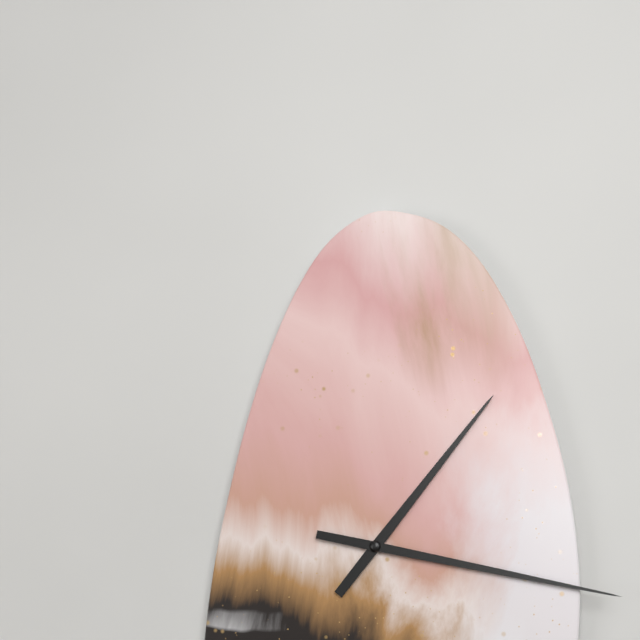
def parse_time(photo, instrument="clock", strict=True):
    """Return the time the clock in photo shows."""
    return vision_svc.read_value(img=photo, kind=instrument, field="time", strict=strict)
1:17
